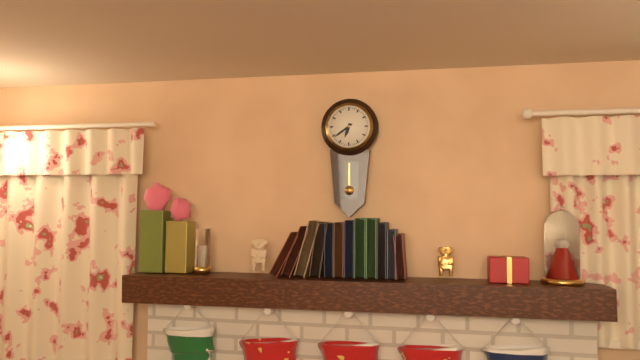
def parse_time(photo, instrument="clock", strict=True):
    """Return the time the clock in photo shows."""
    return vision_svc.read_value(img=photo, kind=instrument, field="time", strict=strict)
6:39
